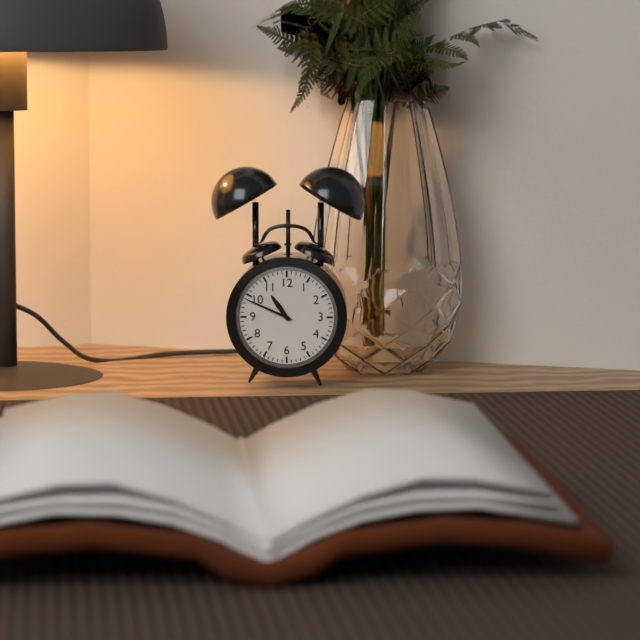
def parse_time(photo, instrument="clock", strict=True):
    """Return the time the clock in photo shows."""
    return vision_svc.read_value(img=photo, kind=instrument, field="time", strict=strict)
10:49
